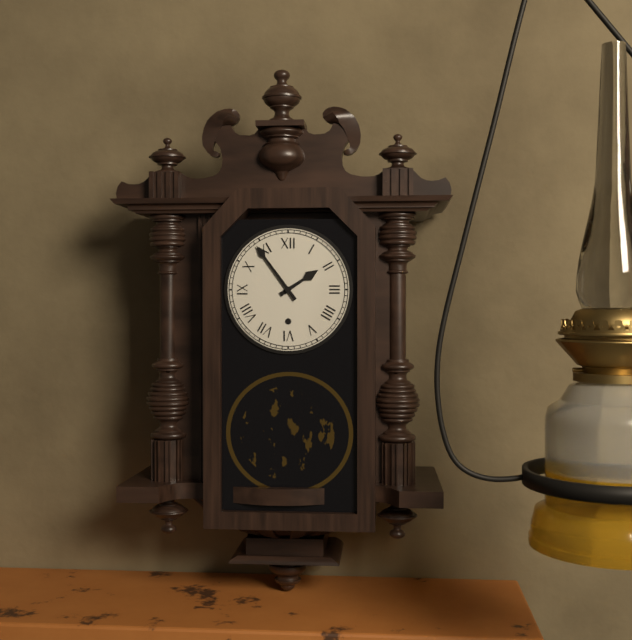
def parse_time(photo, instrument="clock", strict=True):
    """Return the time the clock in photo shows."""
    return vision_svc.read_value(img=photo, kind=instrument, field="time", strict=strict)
1:54
